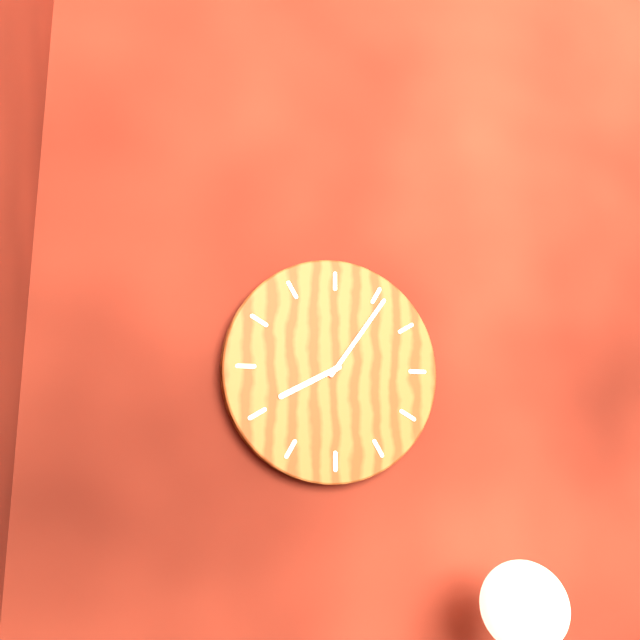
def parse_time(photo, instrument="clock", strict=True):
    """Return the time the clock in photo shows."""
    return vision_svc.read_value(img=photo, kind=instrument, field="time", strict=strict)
8:06
